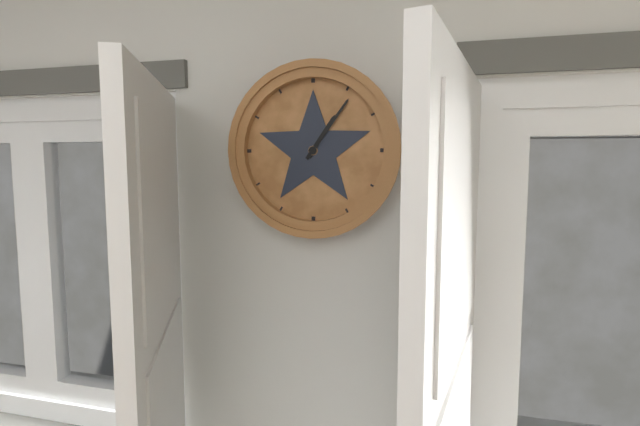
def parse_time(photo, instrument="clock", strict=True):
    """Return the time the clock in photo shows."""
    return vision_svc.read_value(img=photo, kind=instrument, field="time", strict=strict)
1:06
